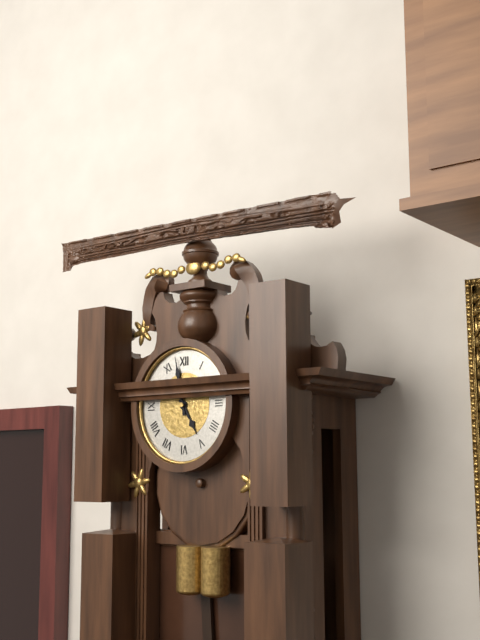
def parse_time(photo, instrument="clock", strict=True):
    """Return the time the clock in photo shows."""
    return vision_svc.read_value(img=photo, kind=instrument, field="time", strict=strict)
4:58
